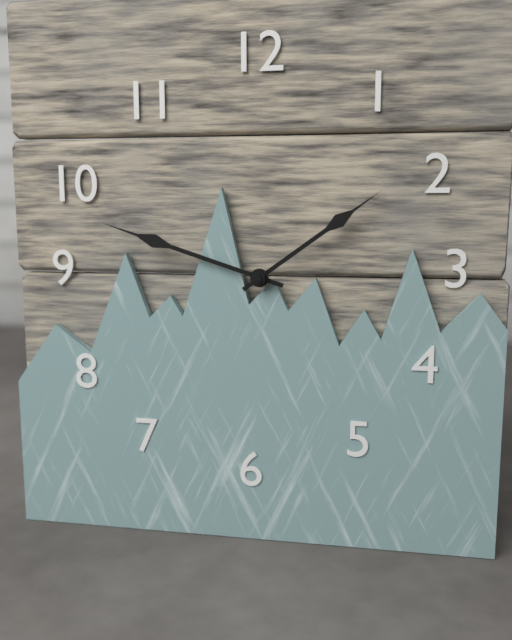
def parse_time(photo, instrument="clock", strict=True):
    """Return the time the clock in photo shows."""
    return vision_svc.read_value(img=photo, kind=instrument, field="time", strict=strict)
1:48
